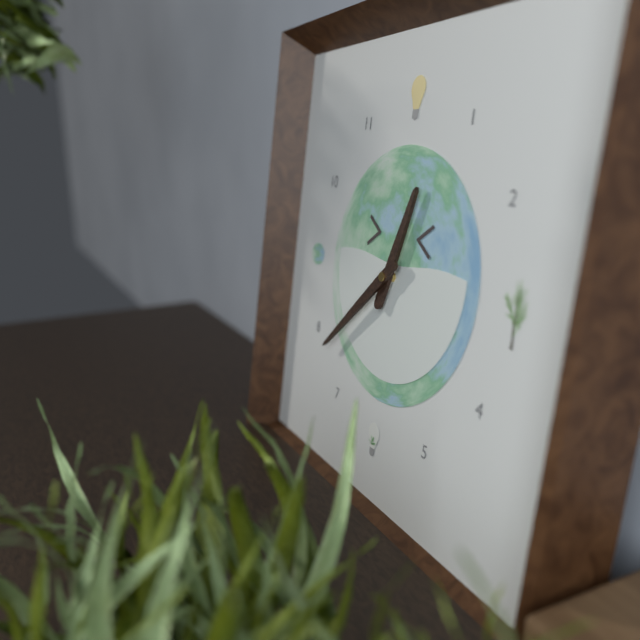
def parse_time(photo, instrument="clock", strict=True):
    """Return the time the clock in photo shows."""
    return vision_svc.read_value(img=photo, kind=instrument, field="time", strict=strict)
12:38
